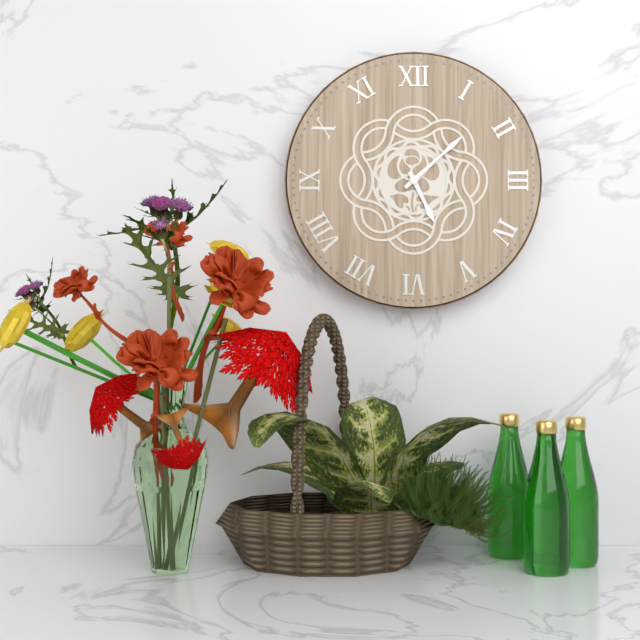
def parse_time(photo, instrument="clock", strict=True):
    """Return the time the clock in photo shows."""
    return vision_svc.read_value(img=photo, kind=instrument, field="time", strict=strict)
5:08
